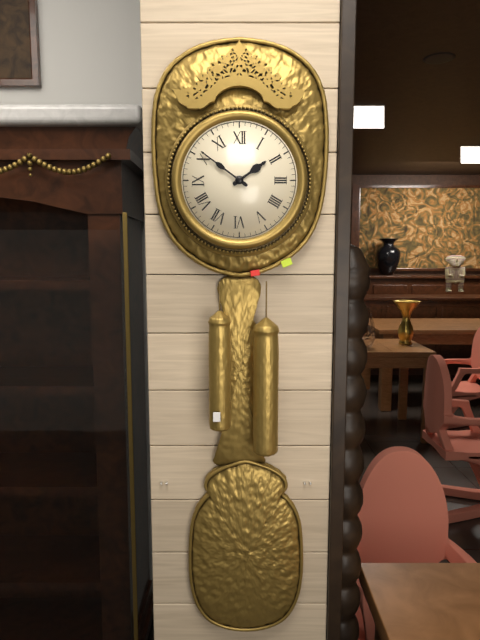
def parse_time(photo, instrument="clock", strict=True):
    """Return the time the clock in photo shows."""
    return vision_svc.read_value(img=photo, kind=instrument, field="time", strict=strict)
1:51
